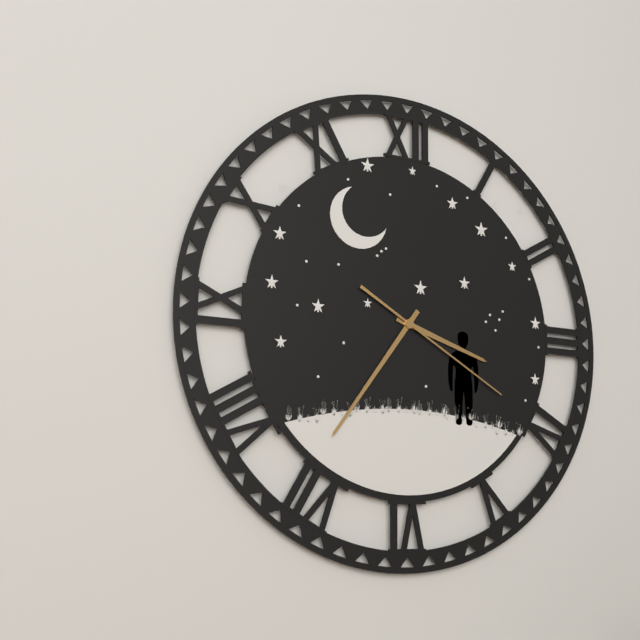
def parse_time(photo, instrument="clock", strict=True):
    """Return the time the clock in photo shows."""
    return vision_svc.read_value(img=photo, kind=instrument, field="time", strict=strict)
3:36:20
